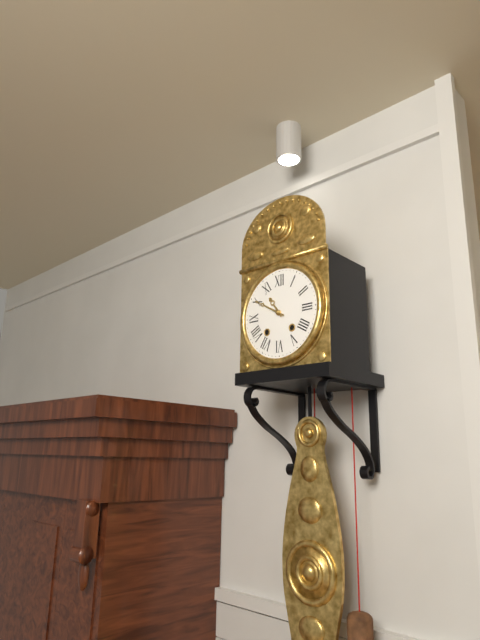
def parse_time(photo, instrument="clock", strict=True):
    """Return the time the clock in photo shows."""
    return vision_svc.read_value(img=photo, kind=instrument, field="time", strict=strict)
10:50
